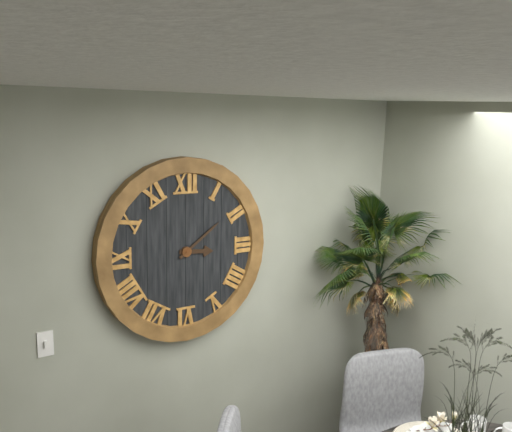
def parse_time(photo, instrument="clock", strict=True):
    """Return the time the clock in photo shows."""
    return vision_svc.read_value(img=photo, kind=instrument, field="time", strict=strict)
3:09
